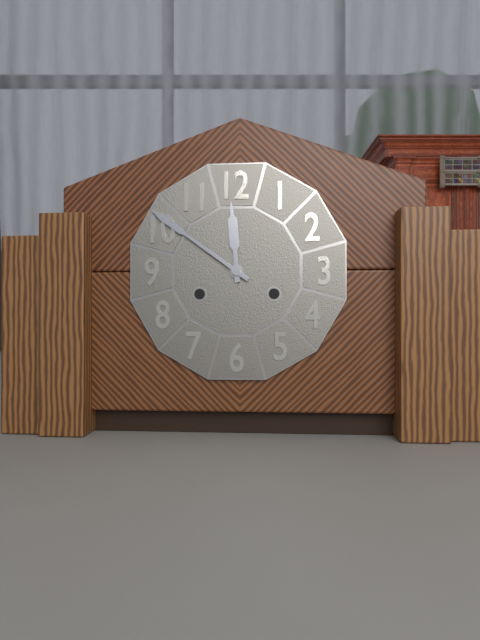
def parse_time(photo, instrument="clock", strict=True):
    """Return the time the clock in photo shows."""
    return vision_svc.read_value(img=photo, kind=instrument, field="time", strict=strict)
11:51
